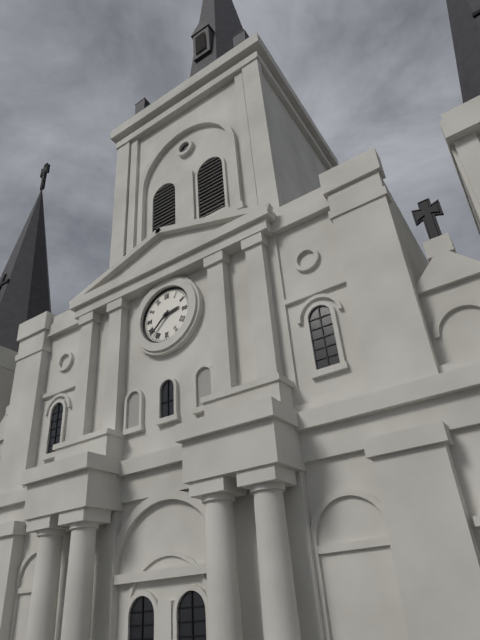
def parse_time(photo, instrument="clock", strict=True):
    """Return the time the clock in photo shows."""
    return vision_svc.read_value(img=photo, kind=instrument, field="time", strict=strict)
2:38
